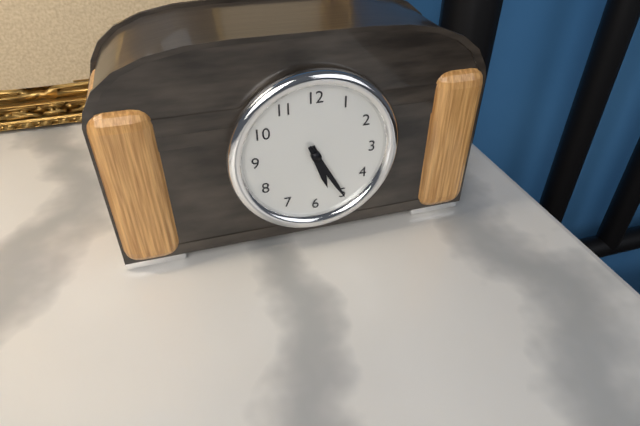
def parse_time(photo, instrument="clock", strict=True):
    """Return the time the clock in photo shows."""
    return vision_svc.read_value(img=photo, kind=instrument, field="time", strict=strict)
5:25
